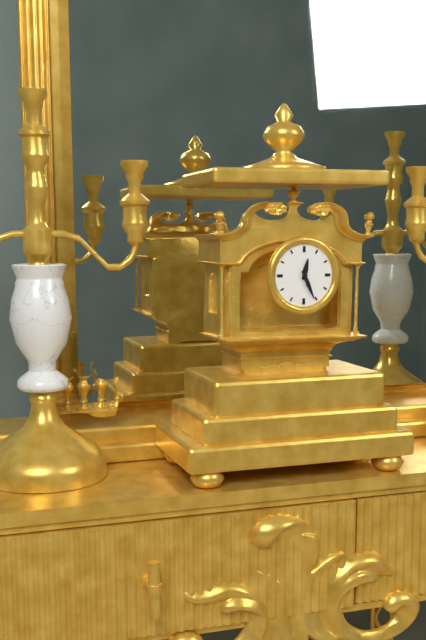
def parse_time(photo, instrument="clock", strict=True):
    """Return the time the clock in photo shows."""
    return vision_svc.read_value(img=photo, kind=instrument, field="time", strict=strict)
12:26
